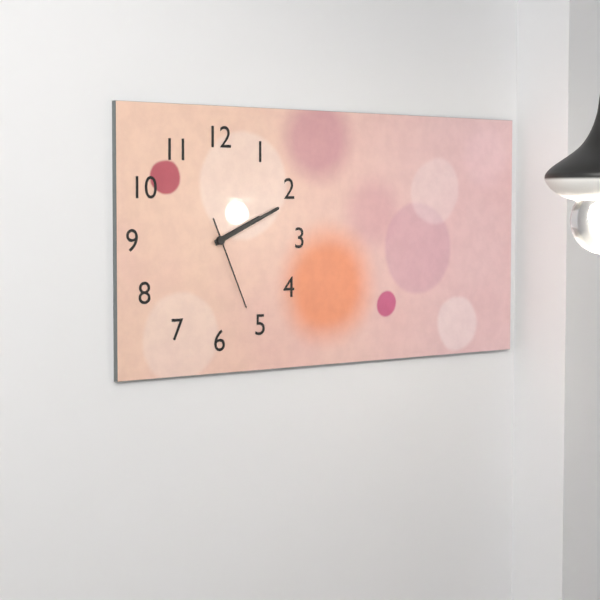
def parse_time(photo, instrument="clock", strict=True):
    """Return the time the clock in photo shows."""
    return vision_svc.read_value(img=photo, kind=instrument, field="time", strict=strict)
2:11:26
